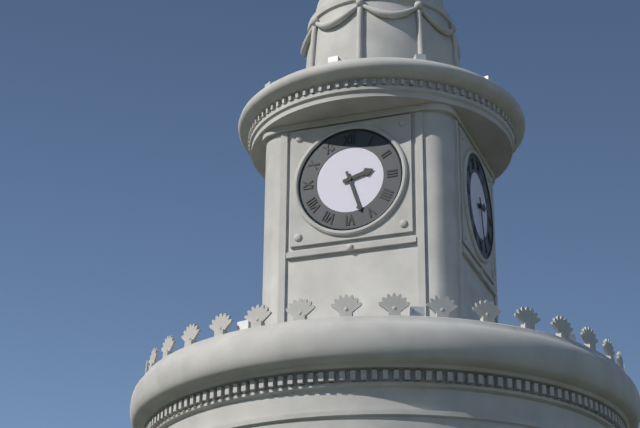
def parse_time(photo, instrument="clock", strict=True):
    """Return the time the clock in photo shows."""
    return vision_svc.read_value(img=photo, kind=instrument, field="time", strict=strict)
2:27
